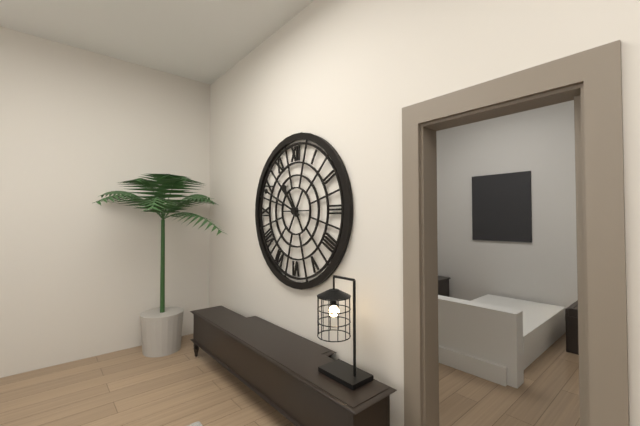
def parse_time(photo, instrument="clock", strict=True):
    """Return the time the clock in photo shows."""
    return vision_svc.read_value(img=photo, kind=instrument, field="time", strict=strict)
10:49
